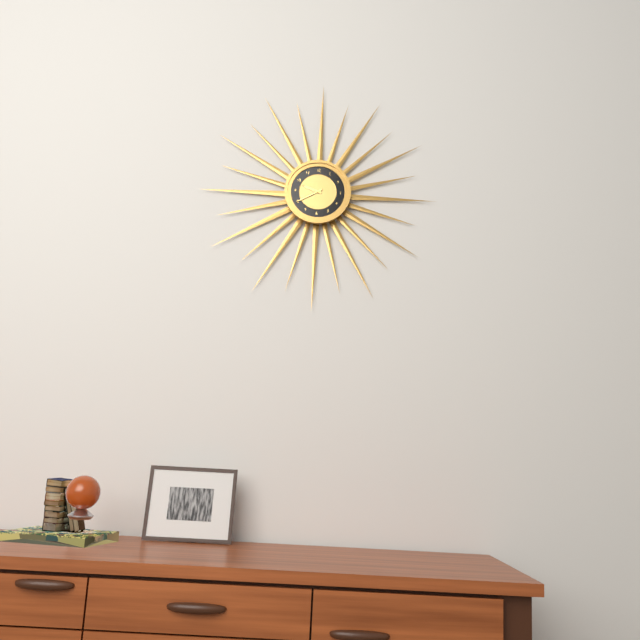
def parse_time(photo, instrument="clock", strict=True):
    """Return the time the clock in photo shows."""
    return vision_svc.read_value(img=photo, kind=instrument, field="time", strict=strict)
9:40
